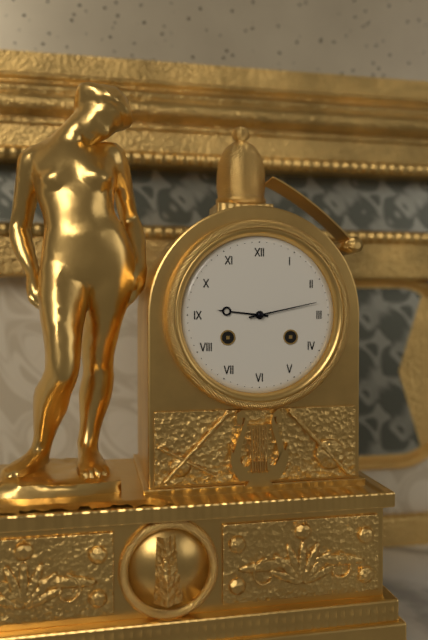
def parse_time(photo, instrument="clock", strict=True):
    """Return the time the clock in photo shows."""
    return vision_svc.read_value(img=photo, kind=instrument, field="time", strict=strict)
9:13
